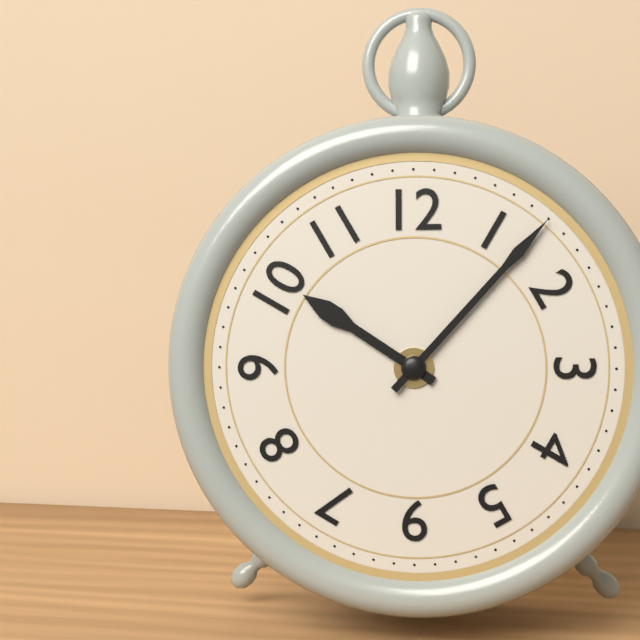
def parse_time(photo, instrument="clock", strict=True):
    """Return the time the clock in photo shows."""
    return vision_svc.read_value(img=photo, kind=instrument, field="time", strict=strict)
10:07
